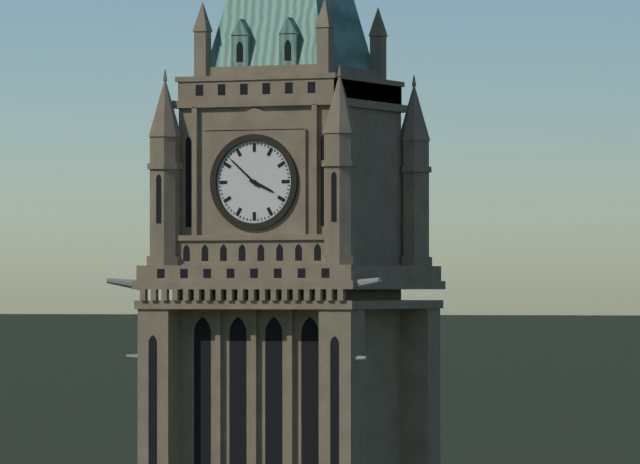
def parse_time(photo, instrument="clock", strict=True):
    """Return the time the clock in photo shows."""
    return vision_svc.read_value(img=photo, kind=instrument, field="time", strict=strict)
3:52
